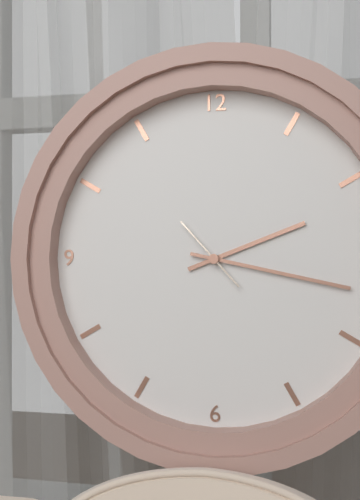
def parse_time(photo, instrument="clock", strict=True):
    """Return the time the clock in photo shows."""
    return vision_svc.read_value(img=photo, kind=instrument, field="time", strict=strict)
2:17:53
